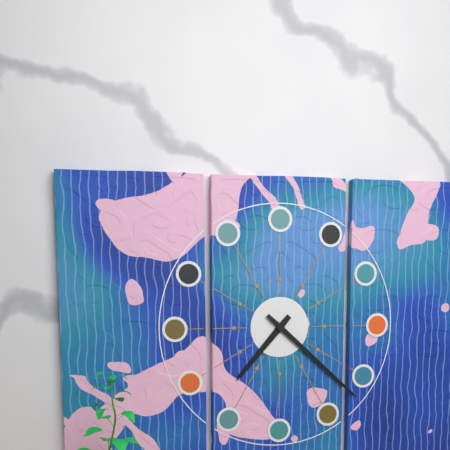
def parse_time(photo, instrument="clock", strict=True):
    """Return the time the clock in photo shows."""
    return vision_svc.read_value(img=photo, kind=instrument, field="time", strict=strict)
7:22
